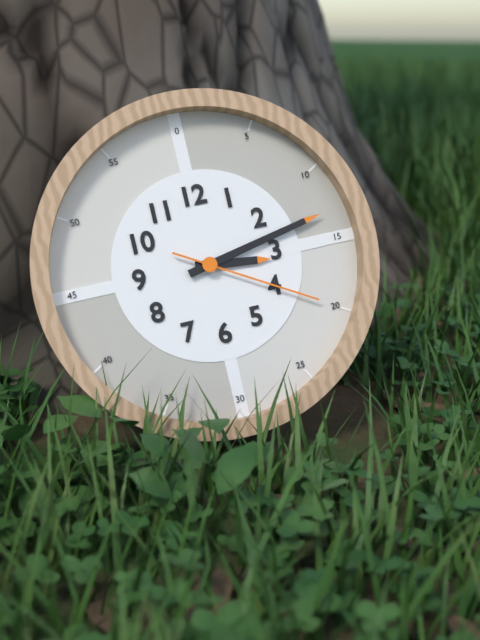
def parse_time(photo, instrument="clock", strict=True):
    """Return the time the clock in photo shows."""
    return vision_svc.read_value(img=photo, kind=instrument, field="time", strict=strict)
3:13:20
